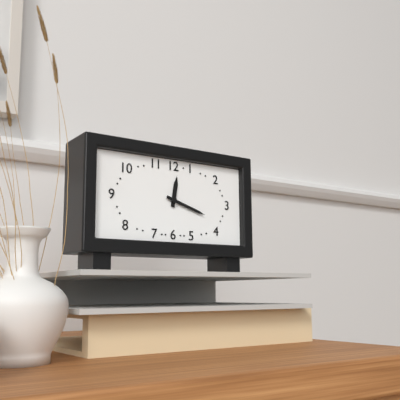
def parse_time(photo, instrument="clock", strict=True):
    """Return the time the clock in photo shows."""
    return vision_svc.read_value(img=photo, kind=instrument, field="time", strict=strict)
12:18
